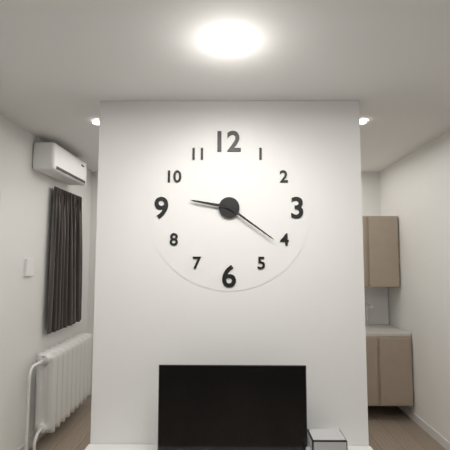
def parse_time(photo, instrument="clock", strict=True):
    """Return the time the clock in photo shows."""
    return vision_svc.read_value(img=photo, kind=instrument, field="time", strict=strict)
9:21
